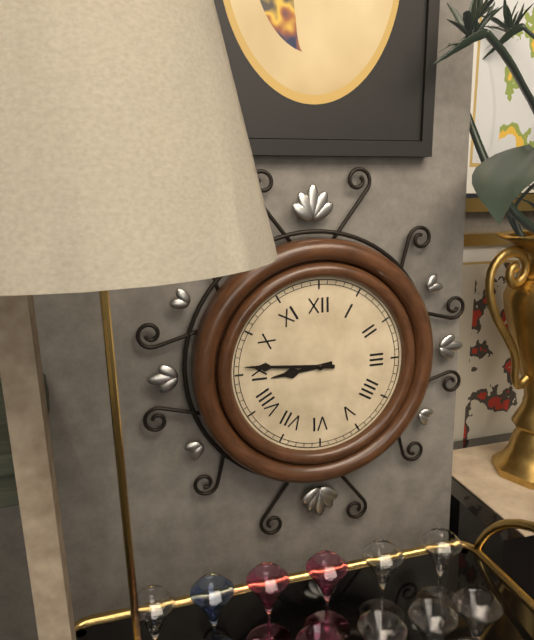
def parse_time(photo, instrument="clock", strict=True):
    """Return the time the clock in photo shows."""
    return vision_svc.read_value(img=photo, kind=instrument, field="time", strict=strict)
8:46
